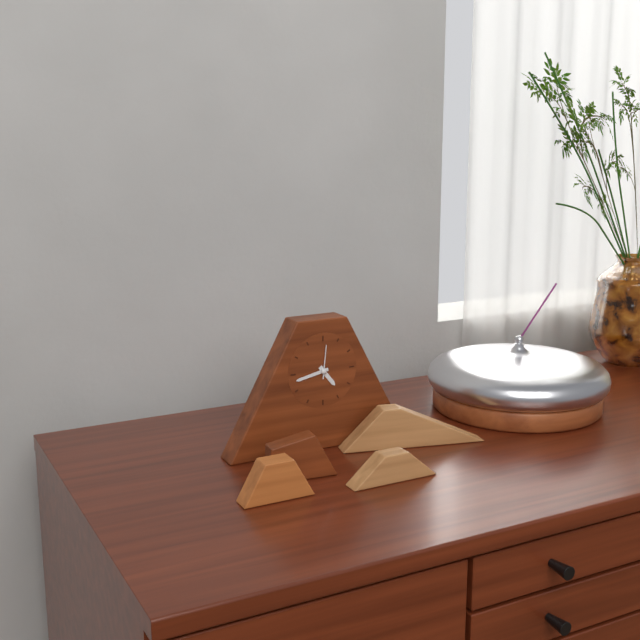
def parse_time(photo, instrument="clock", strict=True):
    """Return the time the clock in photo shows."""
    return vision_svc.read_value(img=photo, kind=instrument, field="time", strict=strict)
4:43
